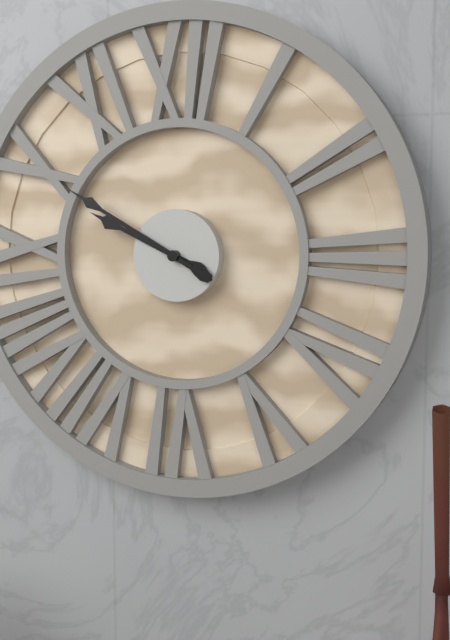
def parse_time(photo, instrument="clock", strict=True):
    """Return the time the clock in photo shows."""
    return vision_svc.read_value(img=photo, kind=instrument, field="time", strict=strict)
9:50
